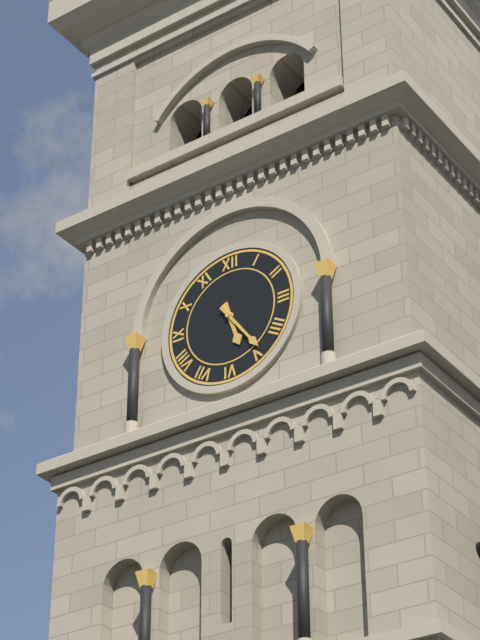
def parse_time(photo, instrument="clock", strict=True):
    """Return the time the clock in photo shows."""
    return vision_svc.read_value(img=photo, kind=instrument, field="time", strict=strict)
5:24
